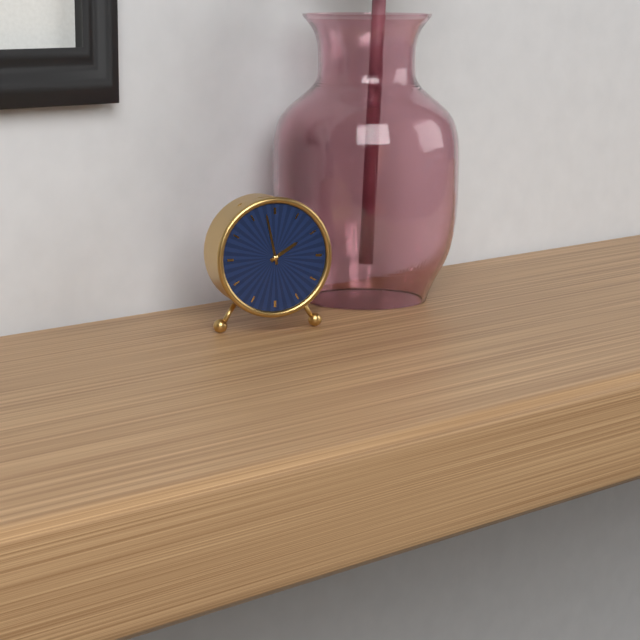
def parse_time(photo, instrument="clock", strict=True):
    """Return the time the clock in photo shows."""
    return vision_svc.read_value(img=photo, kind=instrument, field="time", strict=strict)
1:58
